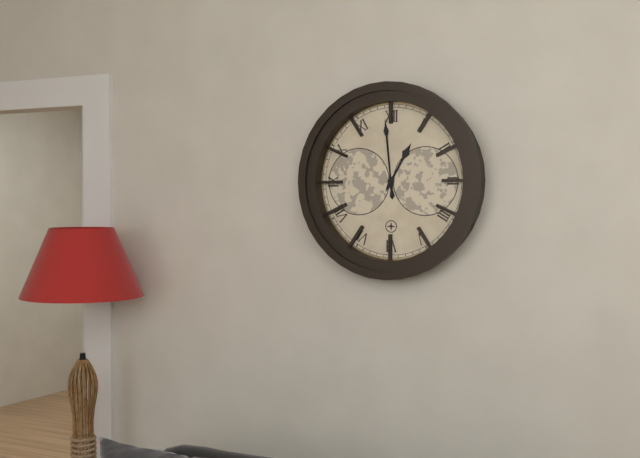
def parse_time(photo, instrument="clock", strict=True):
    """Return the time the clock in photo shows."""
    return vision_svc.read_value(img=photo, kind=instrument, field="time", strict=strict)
12:59
